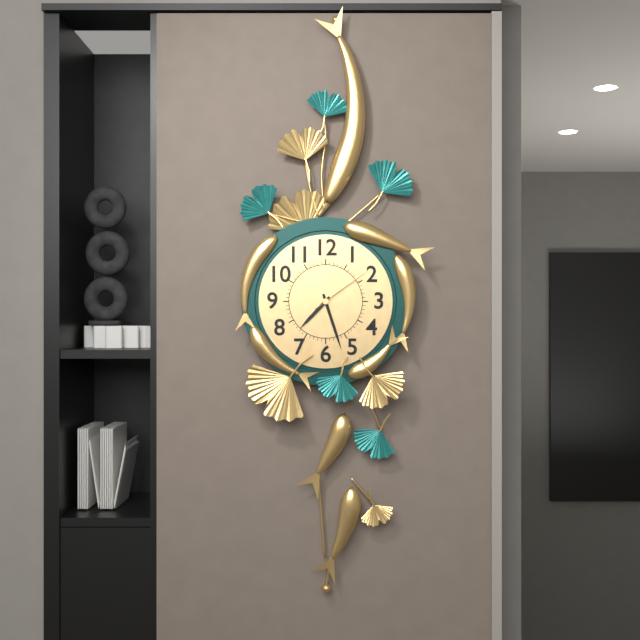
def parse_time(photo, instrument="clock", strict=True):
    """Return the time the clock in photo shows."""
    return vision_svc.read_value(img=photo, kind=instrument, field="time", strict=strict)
7:27:09
